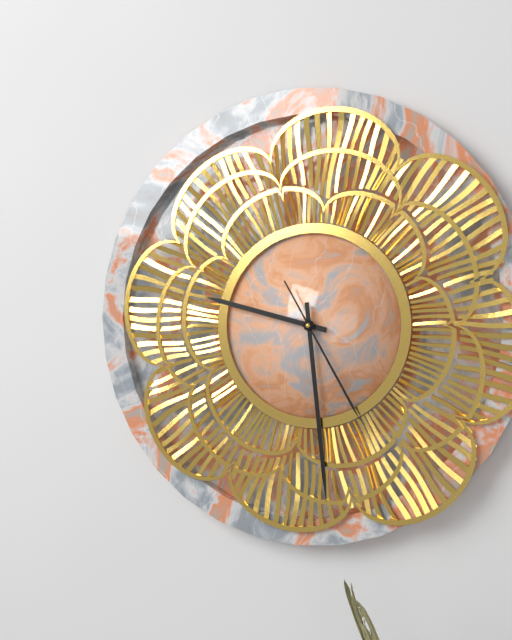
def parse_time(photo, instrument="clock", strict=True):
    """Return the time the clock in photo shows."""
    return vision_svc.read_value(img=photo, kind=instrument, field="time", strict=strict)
9:29:25
